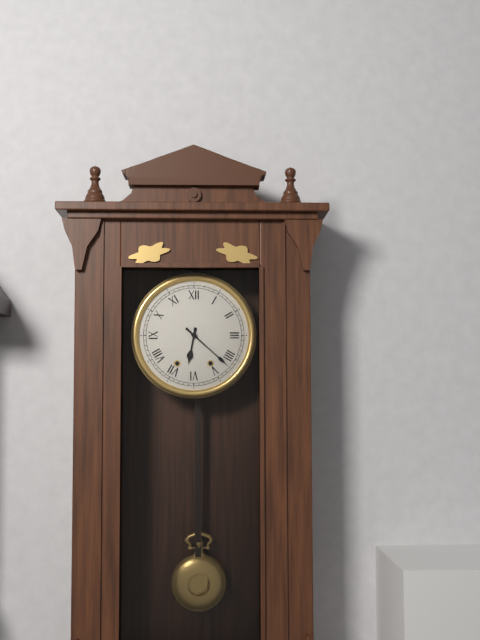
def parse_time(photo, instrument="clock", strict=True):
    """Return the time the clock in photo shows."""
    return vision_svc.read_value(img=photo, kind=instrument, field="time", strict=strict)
6:22
